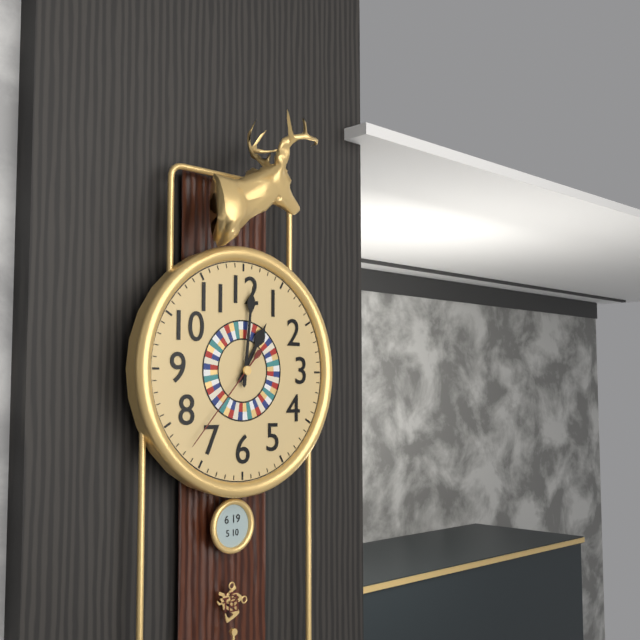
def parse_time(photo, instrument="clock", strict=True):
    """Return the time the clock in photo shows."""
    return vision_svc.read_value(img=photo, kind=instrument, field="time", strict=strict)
1:01:37
